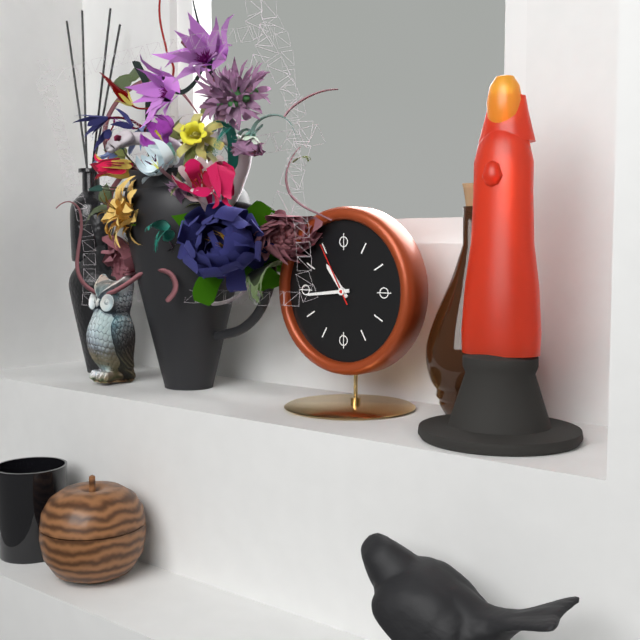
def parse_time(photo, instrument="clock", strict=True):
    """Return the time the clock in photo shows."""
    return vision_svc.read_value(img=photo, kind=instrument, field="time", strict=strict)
10:44:55
